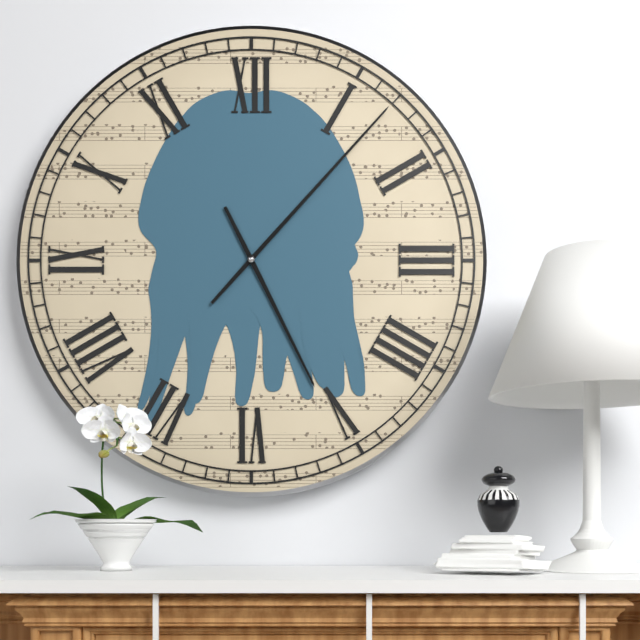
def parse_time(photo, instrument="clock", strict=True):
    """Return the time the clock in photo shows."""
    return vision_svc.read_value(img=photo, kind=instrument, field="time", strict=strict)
5:07
